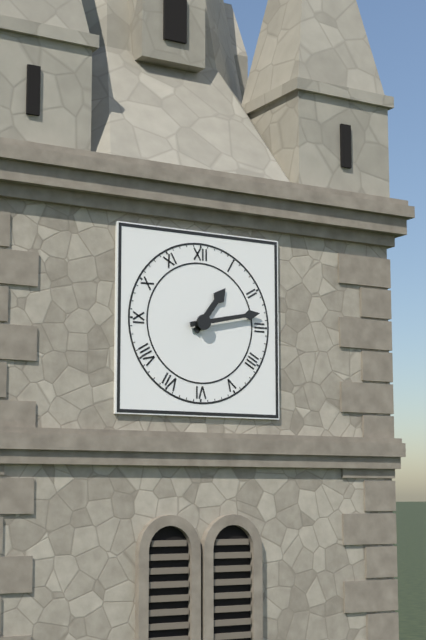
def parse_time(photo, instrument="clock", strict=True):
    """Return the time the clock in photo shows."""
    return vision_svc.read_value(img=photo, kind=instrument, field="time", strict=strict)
1:13
